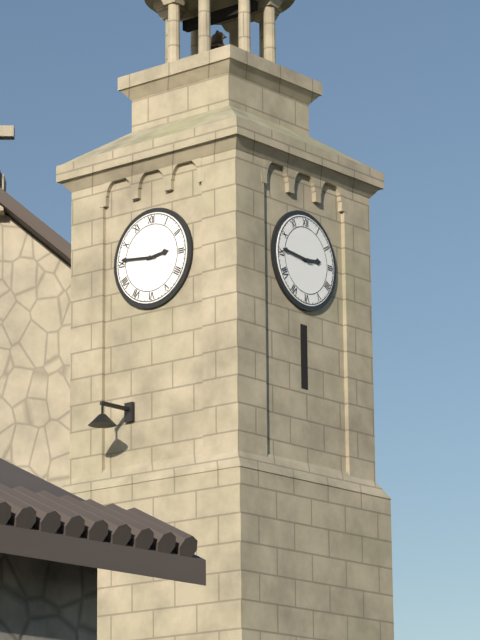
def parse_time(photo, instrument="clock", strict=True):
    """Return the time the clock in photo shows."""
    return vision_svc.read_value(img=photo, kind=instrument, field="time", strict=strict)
2:46
